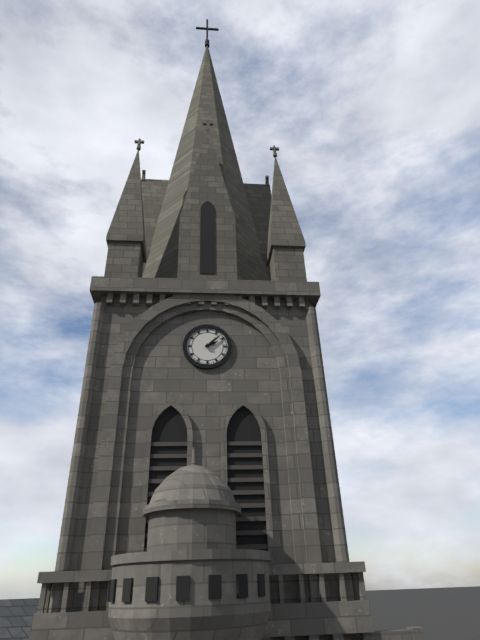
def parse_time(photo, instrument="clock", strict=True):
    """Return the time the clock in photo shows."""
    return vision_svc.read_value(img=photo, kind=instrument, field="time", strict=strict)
2:08
